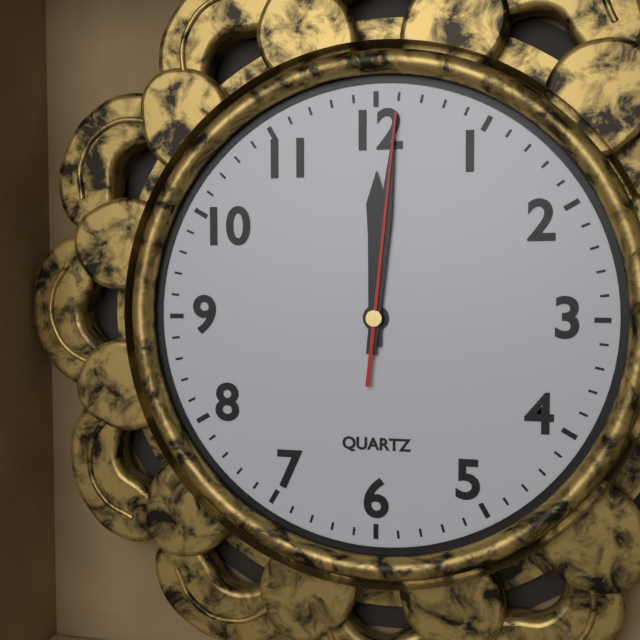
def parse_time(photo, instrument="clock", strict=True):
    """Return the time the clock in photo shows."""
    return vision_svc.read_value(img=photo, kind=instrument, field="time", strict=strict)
12:01:01
